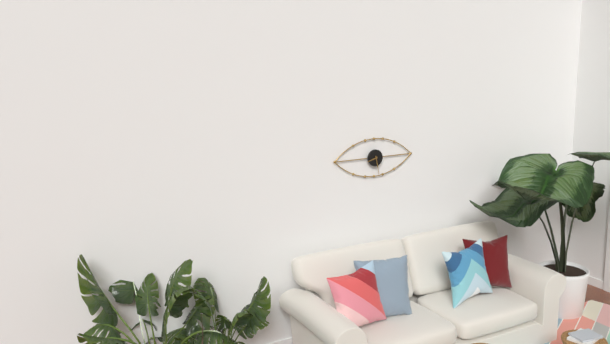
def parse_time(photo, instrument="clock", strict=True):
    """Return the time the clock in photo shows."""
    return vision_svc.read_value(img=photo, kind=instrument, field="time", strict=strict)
8:28
